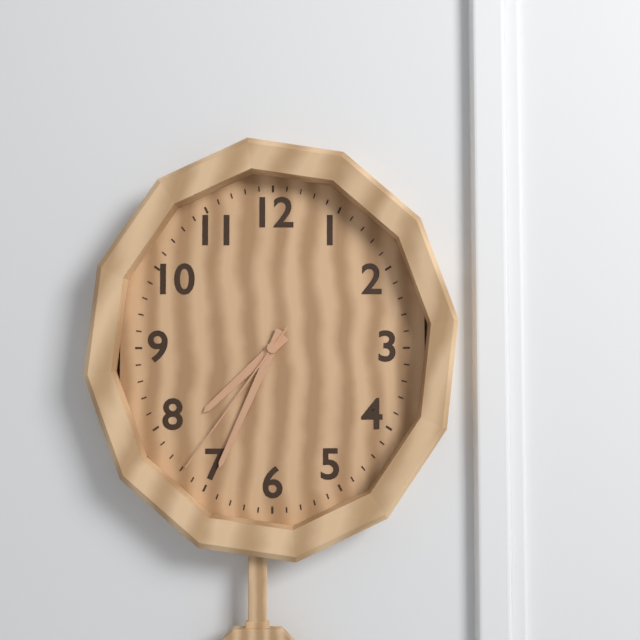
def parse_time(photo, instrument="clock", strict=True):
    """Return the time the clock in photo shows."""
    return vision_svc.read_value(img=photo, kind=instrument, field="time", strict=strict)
7:34:36
